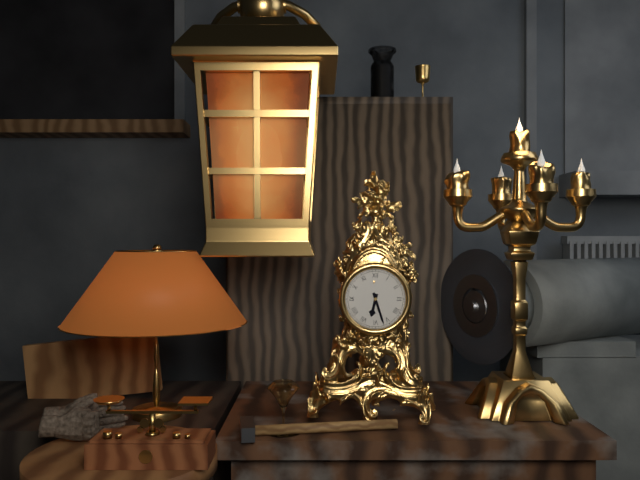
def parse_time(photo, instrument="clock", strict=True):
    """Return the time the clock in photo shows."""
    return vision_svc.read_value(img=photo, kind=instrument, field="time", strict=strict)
6:27
